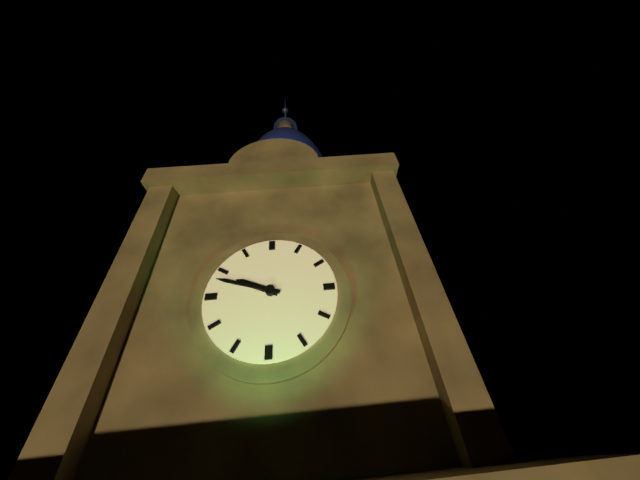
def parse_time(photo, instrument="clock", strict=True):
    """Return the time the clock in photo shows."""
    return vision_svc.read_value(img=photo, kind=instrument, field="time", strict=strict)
9:48
